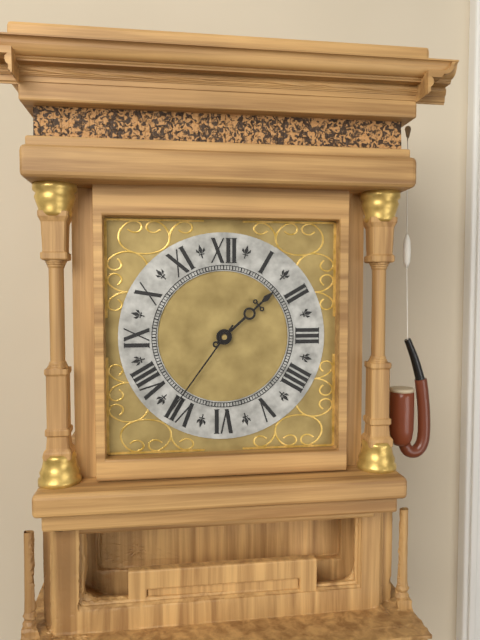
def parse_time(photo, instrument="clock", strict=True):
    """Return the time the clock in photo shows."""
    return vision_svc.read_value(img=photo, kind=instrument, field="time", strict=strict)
1:36
